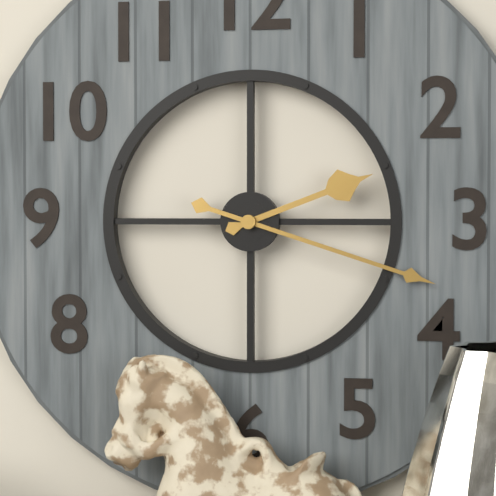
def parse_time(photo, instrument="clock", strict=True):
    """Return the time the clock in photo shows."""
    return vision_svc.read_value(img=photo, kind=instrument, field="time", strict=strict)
2:18
